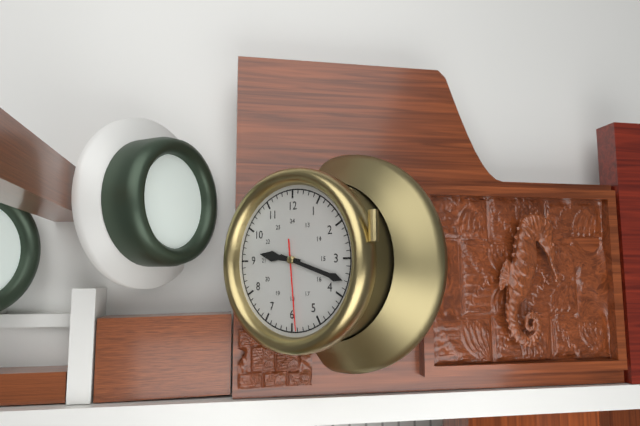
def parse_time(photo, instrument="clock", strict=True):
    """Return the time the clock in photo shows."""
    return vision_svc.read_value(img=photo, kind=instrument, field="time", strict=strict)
9:18:29
